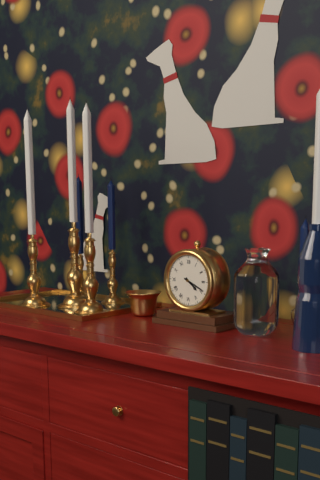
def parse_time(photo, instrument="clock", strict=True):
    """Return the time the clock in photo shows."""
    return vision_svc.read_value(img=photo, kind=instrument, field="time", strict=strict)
4:19
